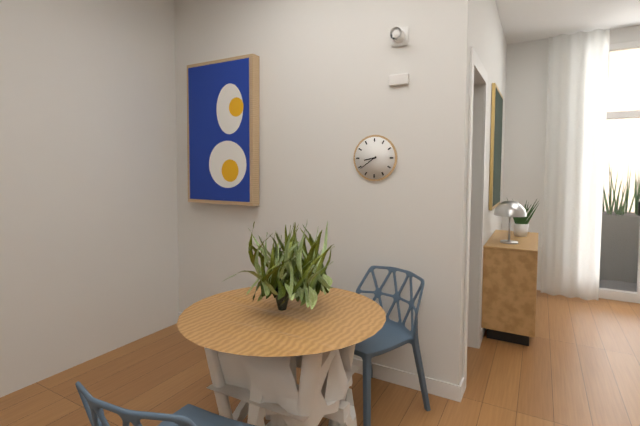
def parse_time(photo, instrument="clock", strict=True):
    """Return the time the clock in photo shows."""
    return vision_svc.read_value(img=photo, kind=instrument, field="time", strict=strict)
8:39
